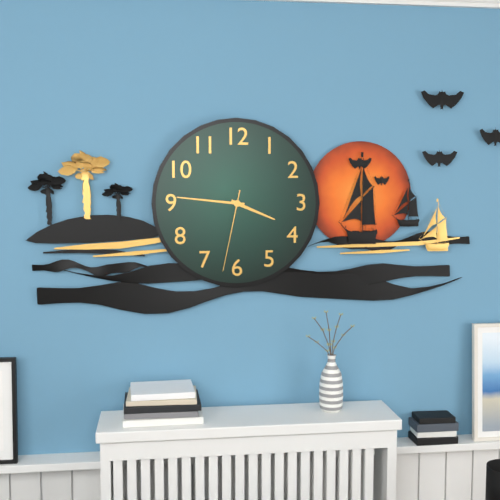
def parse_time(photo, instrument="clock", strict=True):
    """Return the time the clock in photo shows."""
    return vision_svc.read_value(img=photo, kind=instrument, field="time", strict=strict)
3:46:32
